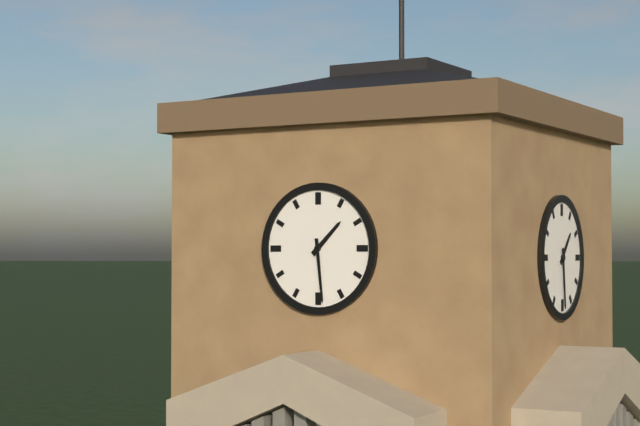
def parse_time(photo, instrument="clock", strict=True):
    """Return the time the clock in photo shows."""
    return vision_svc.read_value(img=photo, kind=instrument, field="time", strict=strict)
1:29
